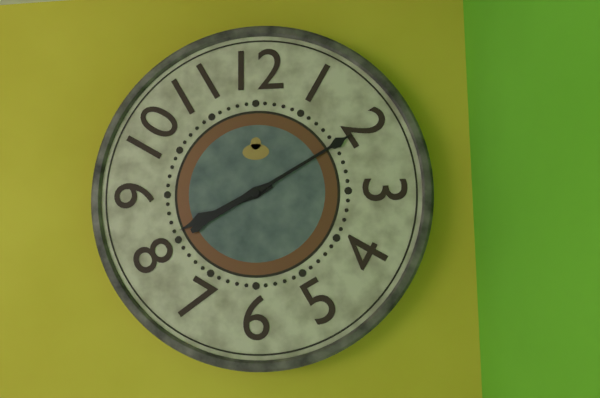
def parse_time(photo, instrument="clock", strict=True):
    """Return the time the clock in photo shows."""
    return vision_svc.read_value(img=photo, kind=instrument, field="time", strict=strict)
8:10
